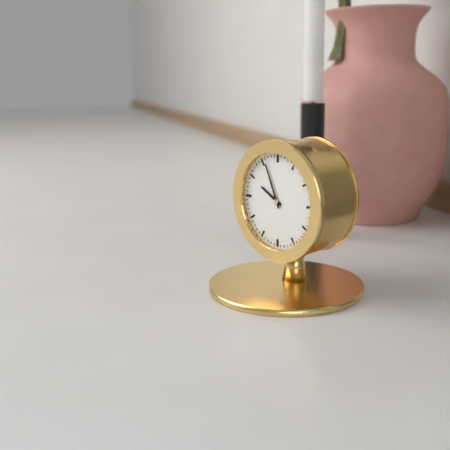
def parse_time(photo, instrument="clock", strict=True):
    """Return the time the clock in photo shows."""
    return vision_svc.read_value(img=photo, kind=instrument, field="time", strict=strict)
9:56
